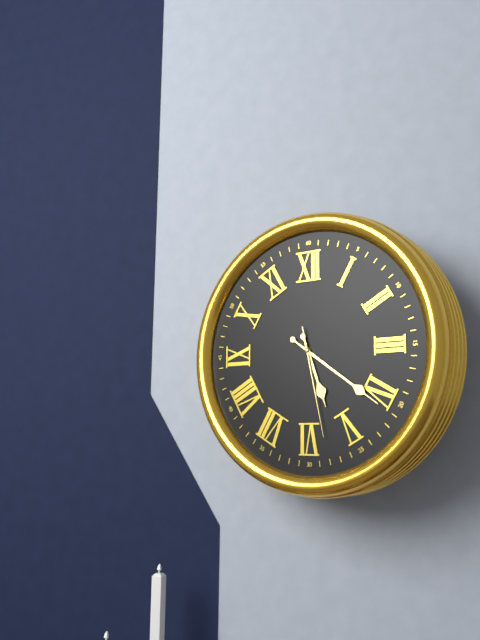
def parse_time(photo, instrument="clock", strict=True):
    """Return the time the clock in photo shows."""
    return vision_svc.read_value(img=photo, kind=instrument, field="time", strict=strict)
5:21:28
